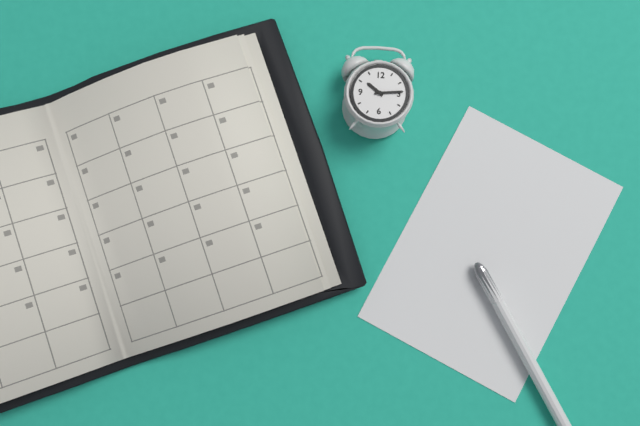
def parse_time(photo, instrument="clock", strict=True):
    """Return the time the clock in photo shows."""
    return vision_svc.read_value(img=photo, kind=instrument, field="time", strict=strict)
10:14
